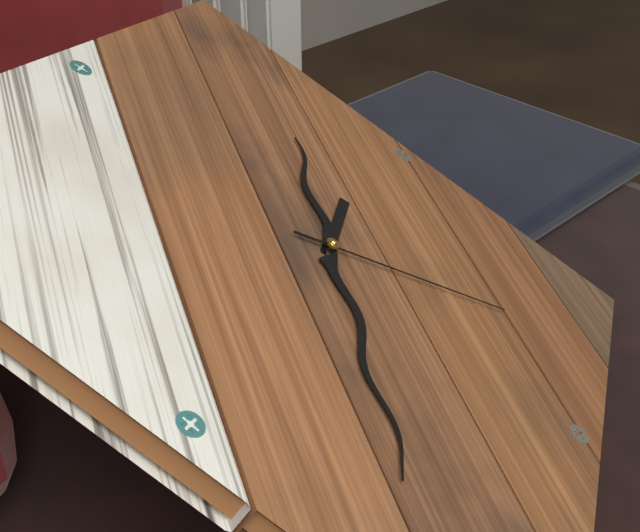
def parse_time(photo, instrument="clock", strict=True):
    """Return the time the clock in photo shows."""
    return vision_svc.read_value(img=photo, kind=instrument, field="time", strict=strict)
2:39:25
